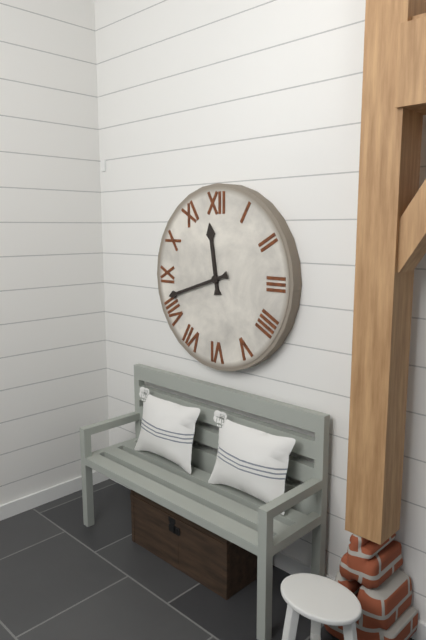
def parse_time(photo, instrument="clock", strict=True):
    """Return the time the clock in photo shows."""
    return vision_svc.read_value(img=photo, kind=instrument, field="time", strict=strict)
11:42
